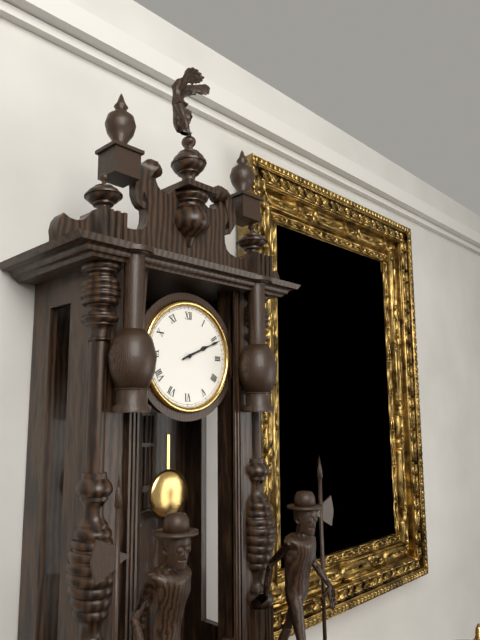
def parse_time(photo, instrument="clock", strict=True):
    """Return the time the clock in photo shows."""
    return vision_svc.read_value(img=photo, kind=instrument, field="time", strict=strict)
2:11
